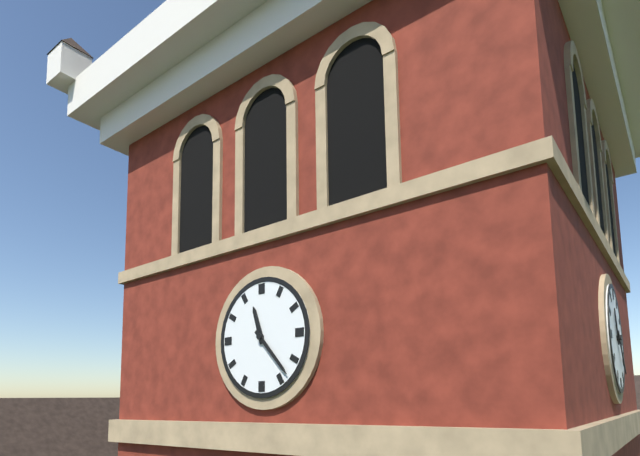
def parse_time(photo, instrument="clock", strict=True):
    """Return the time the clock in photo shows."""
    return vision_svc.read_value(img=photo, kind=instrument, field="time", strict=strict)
11:23
